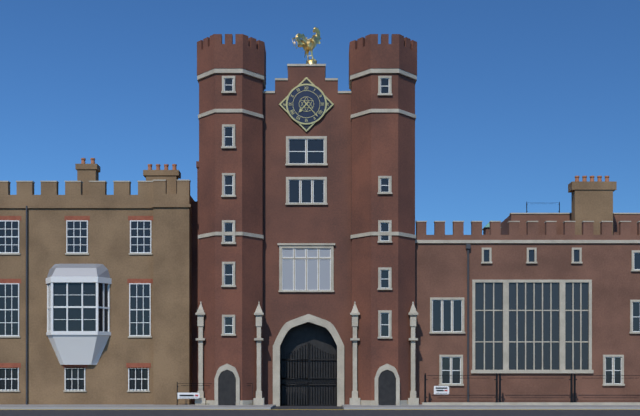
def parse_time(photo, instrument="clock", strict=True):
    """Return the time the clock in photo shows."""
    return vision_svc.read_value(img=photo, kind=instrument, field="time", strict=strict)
7:23
